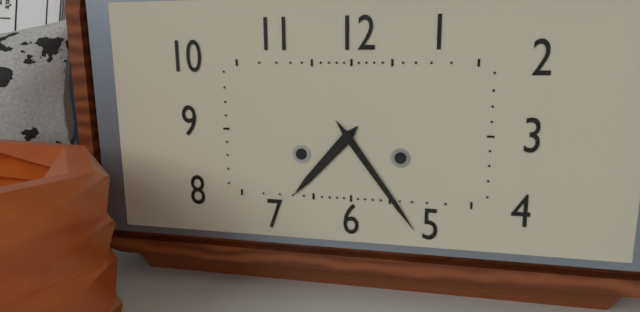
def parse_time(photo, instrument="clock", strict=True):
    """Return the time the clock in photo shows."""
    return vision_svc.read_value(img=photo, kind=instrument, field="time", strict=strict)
7:24
